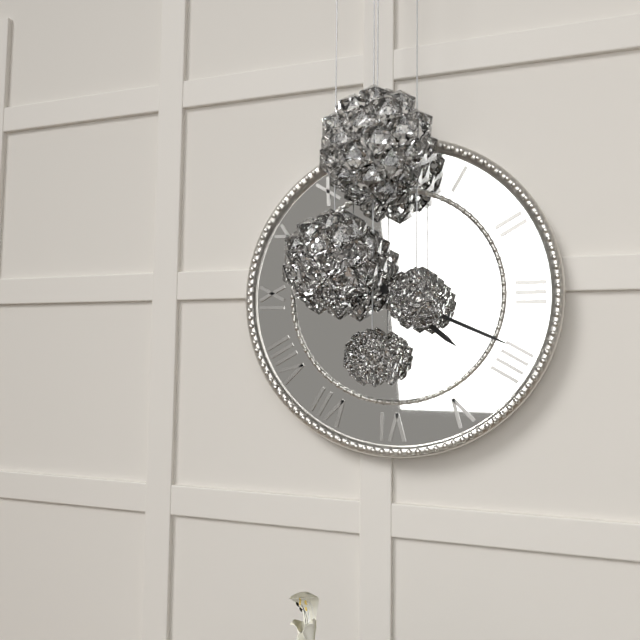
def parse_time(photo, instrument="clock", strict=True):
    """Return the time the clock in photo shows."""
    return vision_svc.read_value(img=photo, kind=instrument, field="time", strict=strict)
4:19
